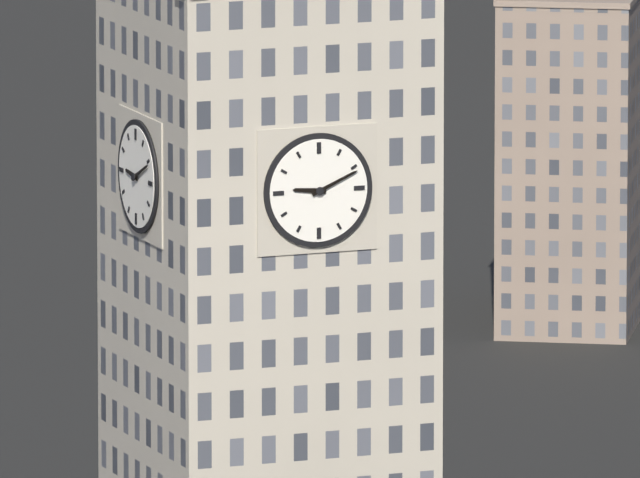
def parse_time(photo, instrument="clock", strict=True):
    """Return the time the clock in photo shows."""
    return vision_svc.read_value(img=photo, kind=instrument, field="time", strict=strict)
9:11
